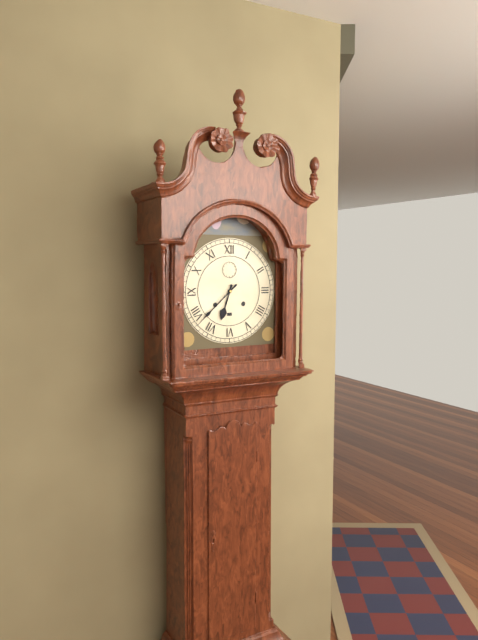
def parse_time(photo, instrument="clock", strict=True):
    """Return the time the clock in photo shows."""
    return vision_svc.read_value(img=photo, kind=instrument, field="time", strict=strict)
6:38
